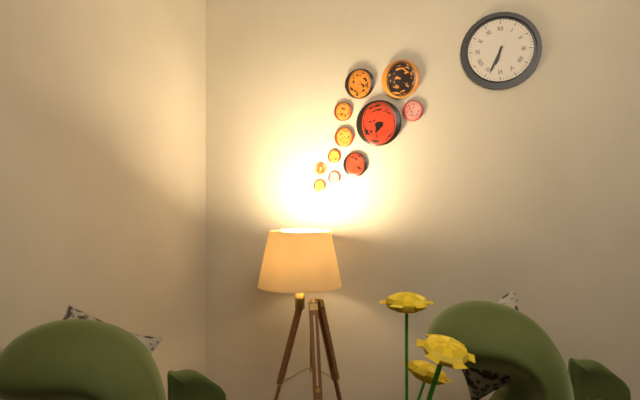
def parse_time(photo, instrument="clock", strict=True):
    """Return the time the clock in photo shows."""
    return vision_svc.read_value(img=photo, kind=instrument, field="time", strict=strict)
6:34
